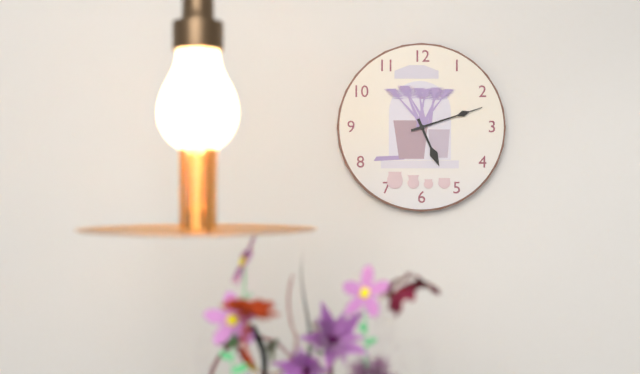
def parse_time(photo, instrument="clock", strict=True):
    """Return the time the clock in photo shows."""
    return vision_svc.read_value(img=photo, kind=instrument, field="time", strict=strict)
5:12
